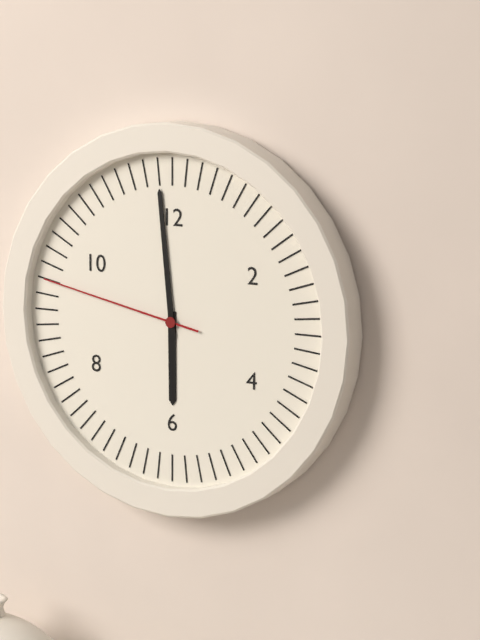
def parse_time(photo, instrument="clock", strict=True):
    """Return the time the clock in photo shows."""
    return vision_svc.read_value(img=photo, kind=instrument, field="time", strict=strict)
5:59:47
